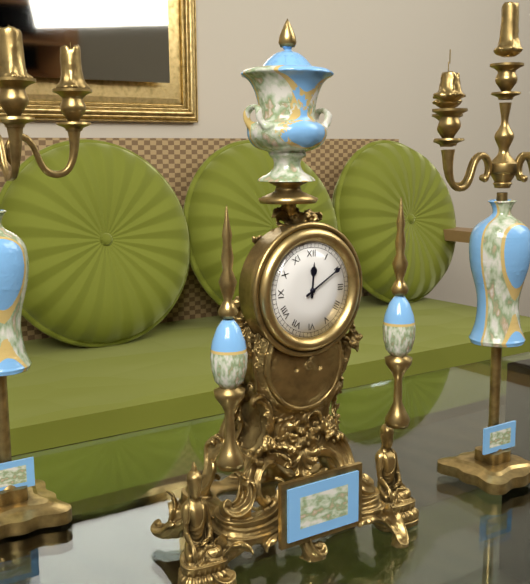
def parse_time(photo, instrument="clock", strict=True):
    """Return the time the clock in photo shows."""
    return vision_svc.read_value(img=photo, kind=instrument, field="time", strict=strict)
12:10
